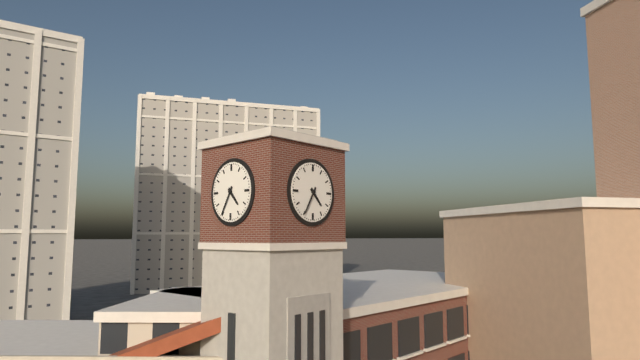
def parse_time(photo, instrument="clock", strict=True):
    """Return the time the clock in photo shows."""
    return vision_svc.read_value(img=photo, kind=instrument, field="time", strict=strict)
4:35
